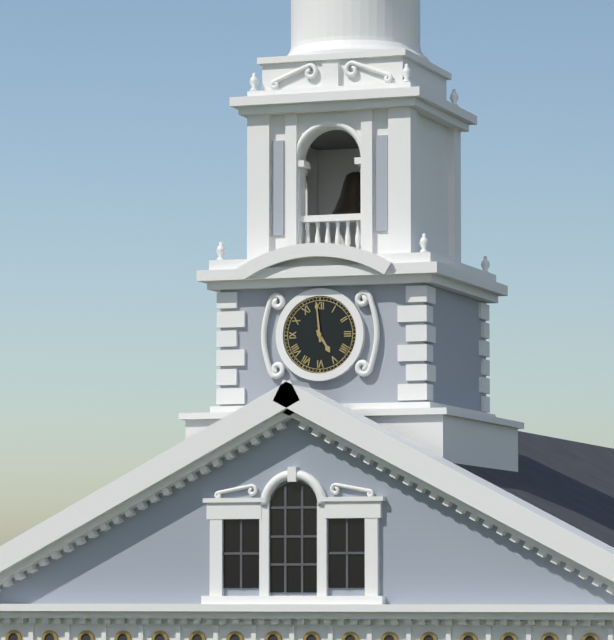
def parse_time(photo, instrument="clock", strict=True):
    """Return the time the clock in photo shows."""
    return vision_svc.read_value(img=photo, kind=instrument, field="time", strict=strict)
4:59
